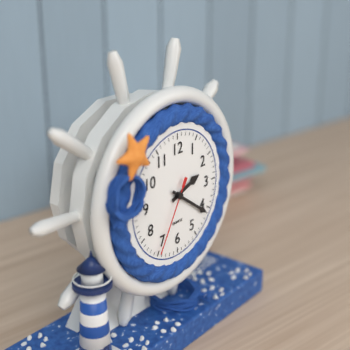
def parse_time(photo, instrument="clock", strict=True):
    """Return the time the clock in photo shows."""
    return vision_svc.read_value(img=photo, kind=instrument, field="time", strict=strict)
2:21:35
